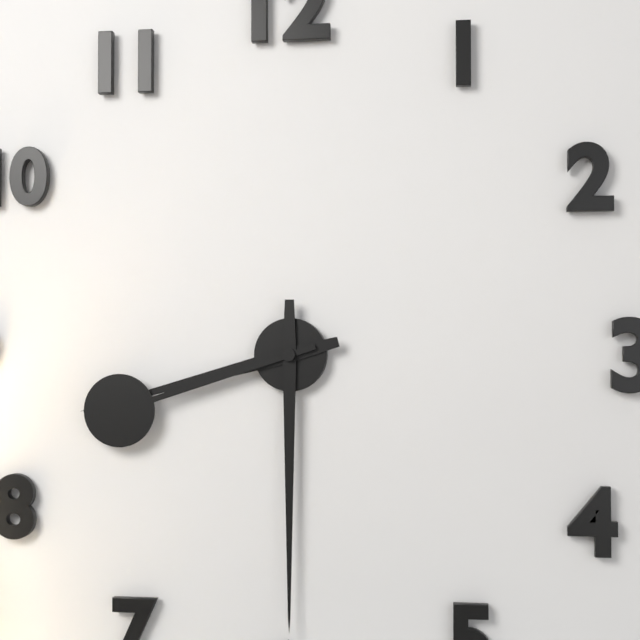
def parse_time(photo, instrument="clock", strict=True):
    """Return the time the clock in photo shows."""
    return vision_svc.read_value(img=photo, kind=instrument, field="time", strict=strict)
8:30:42
